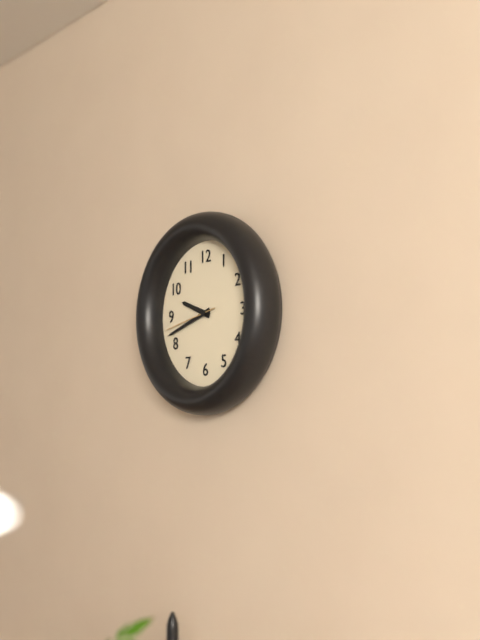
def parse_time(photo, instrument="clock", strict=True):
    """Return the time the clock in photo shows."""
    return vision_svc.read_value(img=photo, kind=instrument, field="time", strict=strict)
9:42:43
